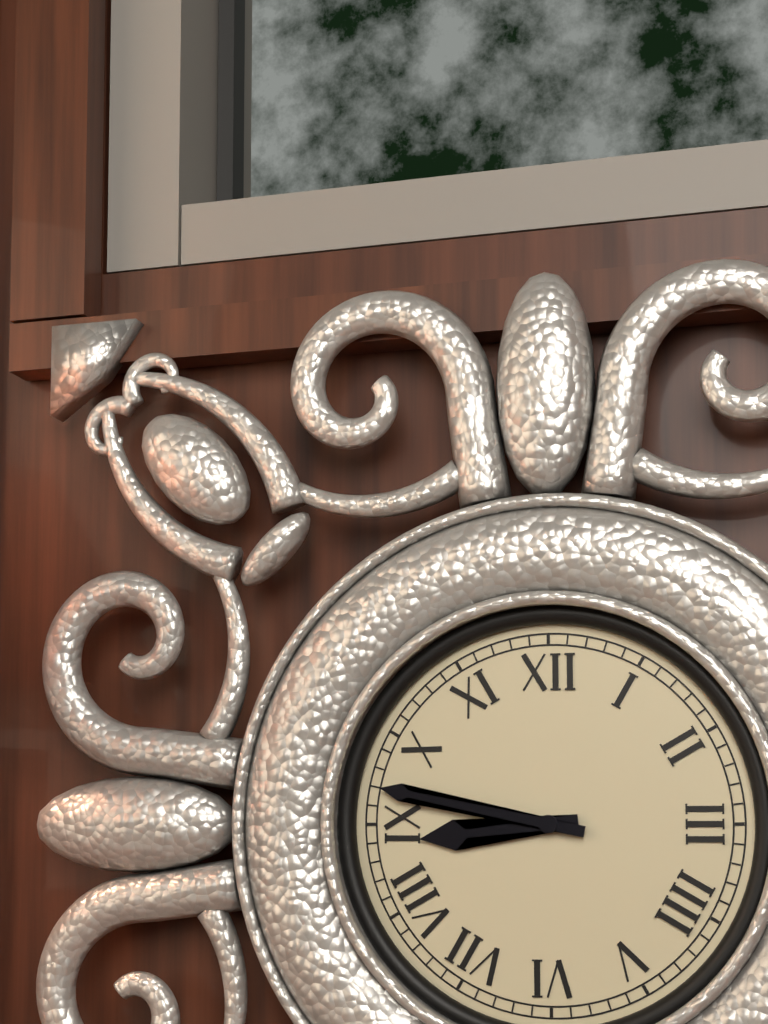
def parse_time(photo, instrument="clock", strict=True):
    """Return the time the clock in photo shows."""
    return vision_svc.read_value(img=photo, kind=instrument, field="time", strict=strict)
8:47
